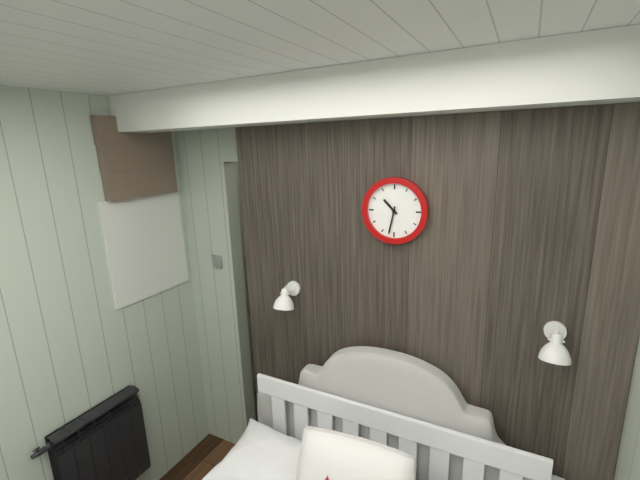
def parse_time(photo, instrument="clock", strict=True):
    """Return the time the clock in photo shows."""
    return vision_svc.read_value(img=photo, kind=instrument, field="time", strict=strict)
10:32
